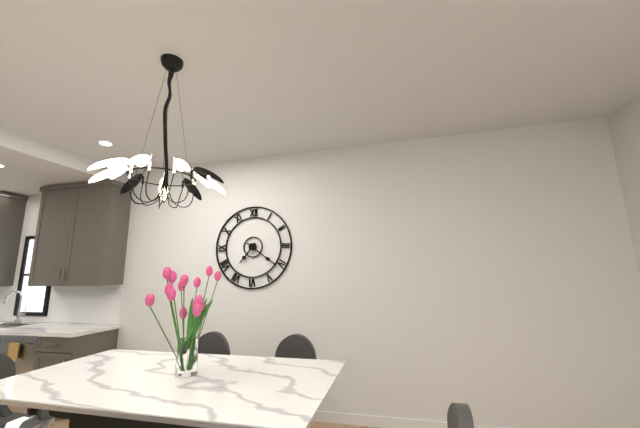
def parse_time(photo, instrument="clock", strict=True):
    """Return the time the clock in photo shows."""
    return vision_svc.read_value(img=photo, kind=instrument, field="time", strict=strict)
7:21
